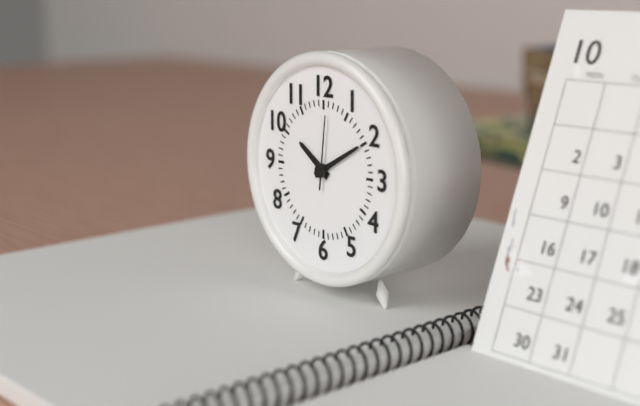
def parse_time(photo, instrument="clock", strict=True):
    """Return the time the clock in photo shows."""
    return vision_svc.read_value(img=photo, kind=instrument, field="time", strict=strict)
10:10:01
